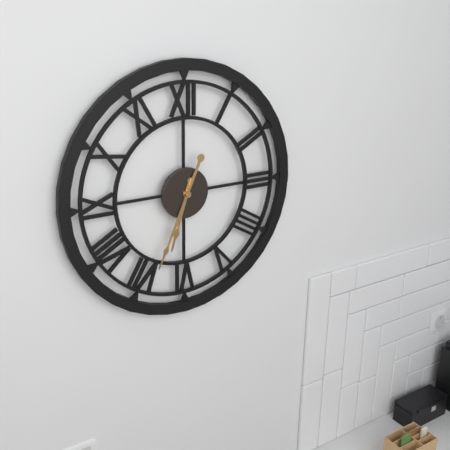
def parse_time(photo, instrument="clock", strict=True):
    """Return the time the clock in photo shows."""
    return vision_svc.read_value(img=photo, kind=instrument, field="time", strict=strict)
6:34
